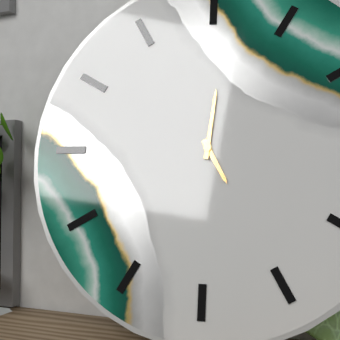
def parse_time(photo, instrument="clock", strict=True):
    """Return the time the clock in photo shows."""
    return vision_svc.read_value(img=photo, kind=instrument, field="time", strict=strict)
5:01
